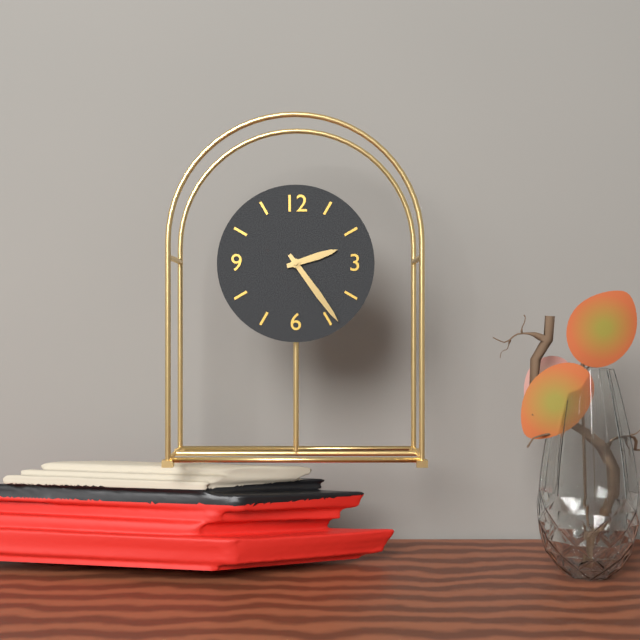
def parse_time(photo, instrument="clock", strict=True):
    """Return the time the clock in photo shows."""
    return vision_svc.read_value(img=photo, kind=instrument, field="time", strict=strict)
2:24
